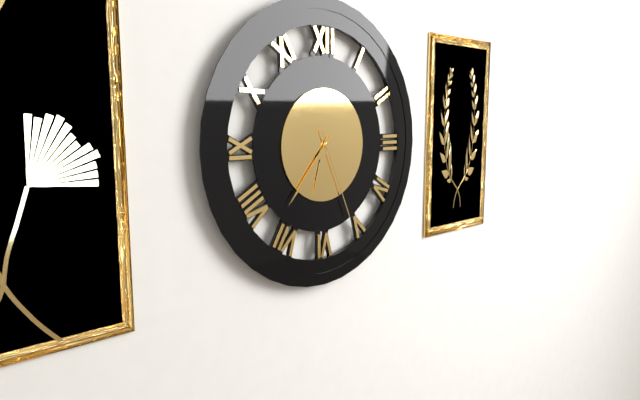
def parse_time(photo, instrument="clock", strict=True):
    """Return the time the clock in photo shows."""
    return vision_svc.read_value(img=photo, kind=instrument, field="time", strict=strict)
6:37:26
